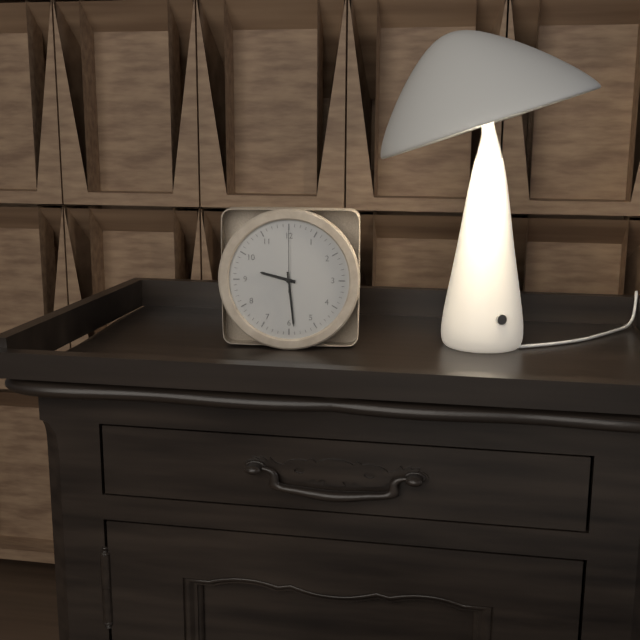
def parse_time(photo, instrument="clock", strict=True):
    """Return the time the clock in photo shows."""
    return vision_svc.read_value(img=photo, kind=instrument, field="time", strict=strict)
9:29:00
